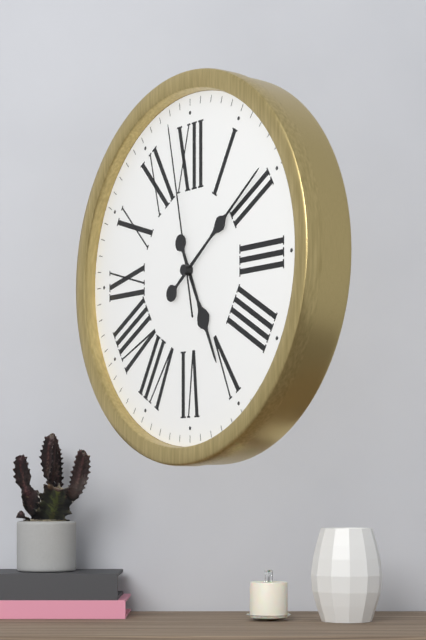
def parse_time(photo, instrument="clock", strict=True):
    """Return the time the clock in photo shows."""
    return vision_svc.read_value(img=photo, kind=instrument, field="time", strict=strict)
5:09:58
